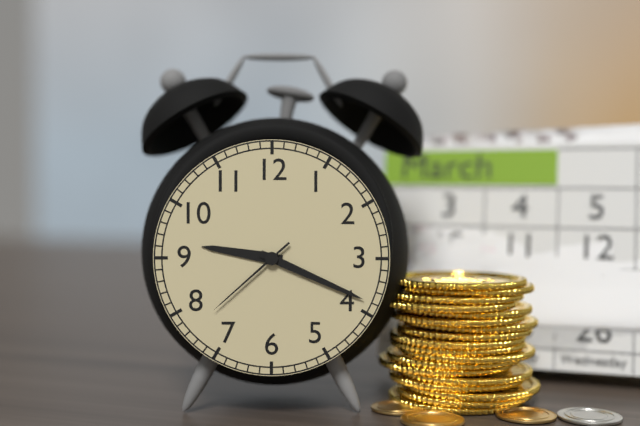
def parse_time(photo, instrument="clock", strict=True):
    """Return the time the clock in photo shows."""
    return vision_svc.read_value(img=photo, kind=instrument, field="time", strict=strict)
9:19:38
